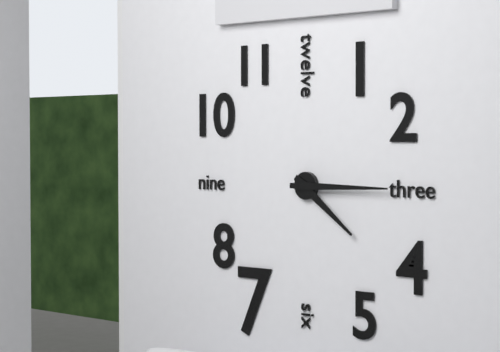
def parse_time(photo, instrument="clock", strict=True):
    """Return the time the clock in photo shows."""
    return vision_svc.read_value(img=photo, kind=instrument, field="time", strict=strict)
4:15
